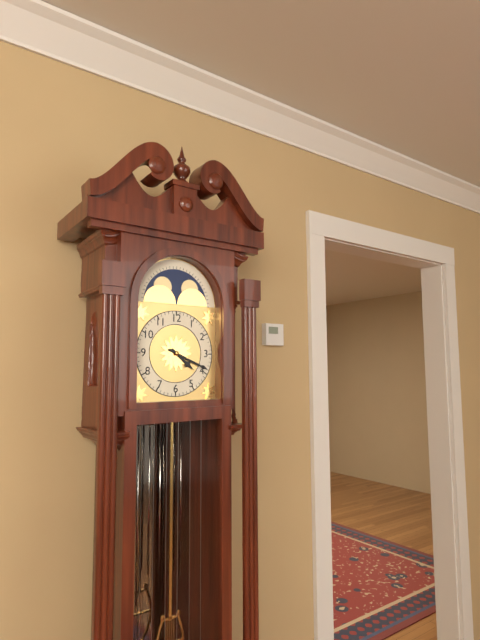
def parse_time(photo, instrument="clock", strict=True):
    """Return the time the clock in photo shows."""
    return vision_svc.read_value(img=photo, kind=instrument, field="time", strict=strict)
4:19
